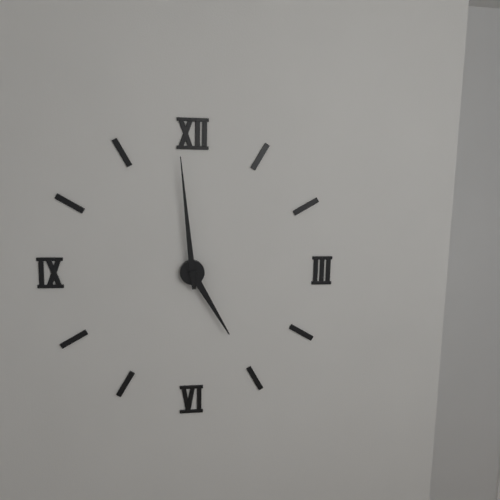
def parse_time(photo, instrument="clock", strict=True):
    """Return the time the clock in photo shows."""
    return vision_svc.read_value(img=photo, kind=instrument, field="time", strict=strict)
4:59
